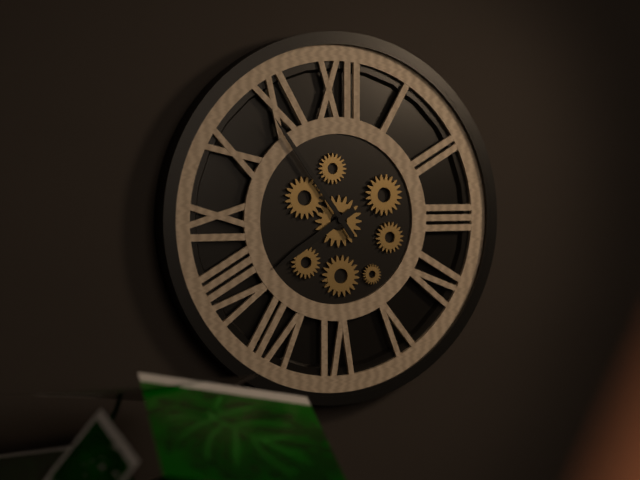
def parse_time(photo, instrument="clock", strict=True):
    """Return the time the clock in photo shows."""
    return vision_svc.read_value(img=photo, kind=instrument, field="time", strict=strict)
7:54
